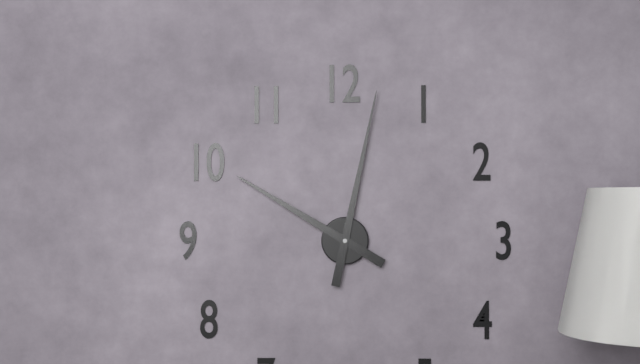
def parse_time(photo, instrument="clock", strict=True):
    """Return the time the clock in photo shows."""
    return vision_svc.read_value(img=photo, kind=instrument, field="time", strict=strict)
10:02
